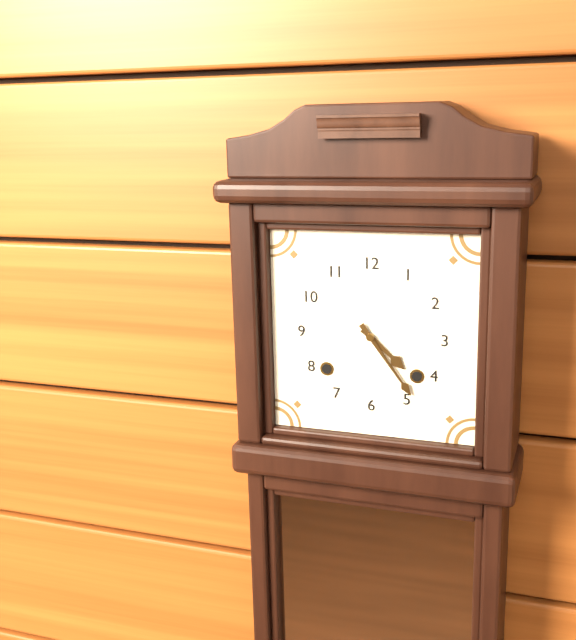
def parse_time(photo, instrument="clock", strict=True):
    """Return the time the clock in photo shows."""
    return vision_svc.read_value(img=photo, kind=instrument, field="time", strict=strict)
4:24
